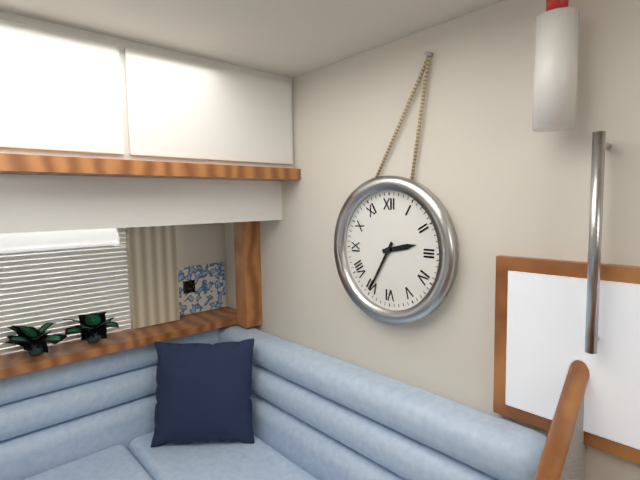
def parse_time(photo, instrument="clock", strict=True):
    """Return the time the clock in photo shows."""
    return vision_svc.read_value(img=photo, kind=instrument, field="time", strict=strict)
2:35
